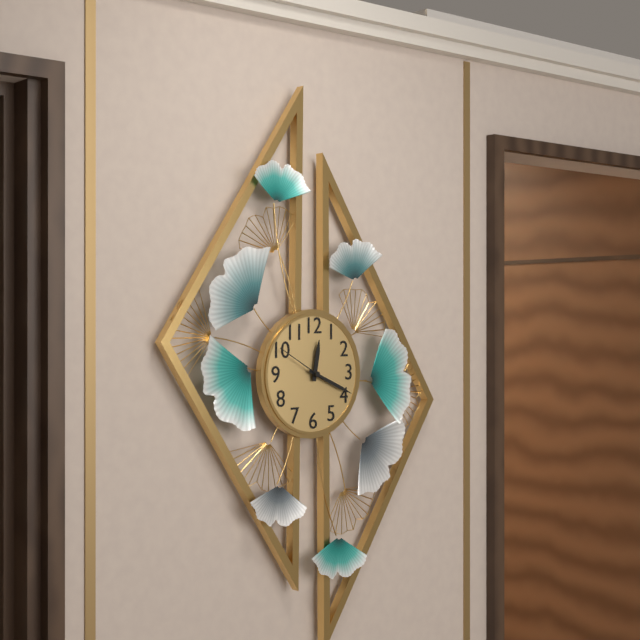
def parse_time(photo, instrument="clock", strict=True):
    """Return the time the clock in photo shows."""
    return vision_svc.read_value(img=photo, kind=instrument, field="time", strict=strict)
12:19:50
